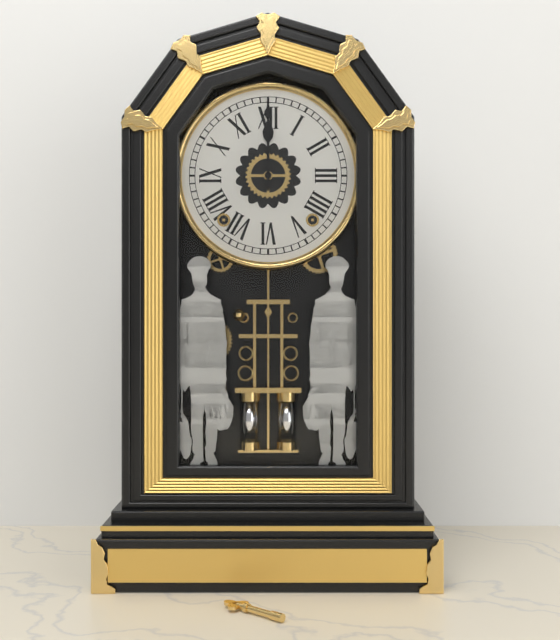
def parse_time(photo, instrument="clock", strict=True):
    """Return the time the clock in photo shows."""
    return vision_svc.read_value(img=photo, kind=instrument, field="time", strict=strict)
12:00
